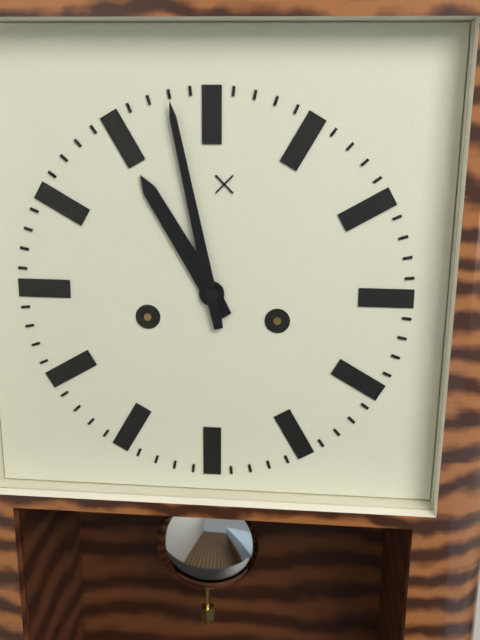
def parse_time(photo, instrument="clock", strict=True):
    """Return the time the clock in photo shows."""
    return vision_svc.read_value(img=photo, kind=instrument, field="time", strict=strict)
10:58
